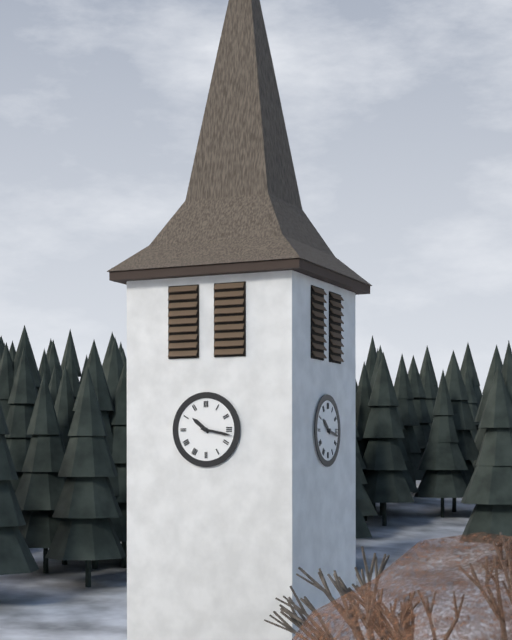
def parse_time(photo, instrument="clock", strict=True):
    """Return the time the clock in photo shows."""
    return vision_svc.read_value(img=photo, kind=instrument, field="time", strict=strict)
10:17
